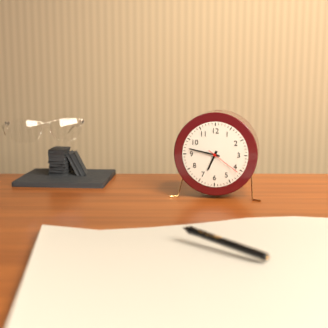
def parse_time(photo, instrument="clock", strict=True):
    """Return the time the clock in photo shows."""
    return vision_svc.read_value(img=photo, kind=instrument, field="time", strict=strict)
6:47
